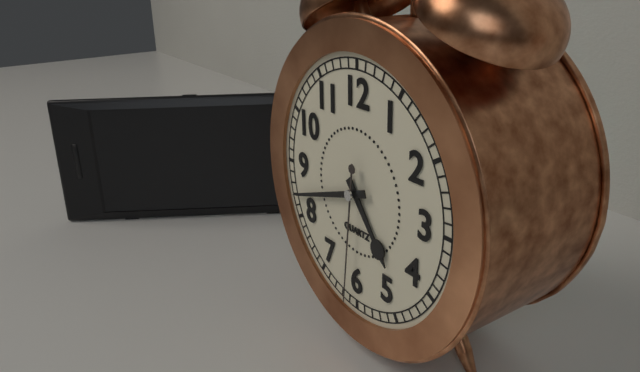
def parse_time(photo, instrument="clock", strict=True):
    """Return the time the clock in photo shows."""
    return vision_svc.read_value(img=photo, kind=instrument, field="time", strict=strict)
4:42:31
